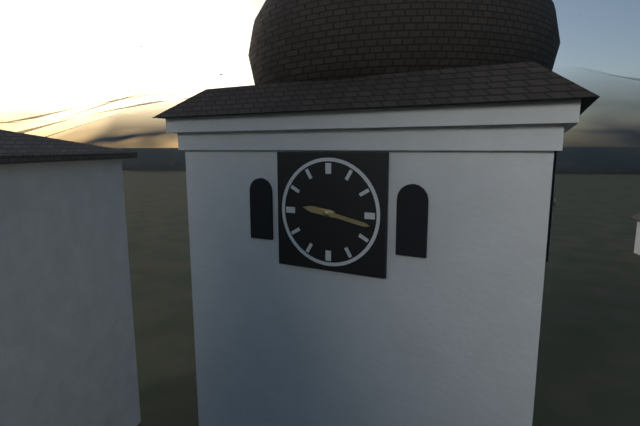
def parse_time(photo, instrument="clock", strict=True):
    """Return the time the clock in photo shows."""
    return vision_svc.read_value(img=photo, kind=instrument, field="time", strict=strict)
9:17
